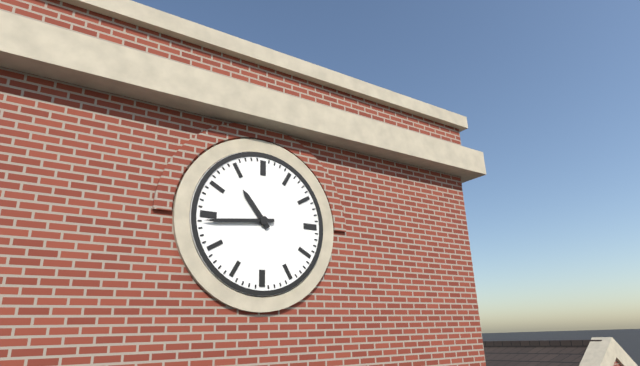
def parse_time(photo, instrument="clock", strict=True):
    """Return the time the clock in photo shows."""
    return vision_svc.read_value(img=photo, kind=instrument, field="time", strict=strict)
10:44
